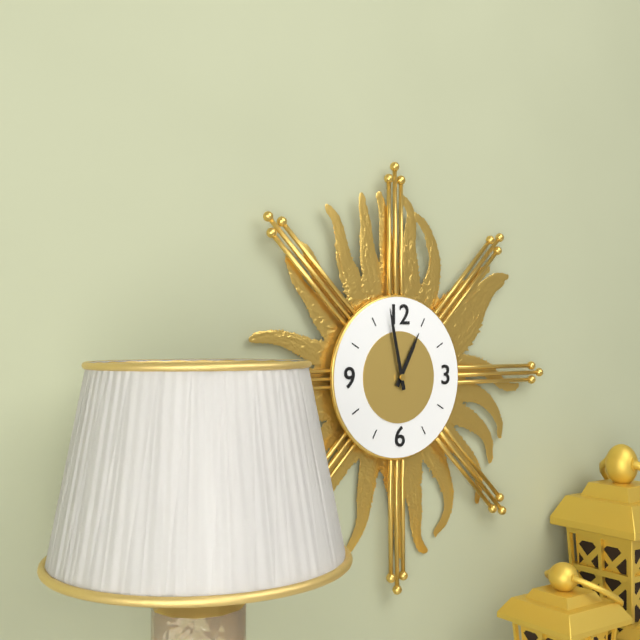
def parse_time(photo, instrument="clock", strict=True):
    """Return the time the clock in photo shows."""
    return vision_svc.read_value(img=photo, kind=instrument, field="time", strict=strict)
12:58
